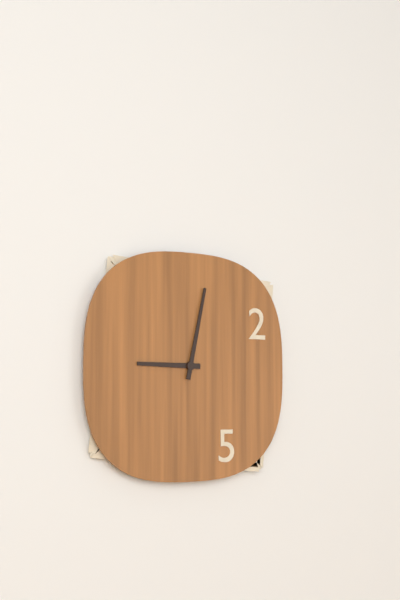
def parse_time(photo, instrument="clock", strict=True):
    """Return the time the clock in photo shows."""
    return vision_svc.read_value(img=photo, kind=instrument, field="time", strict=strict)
9:02
